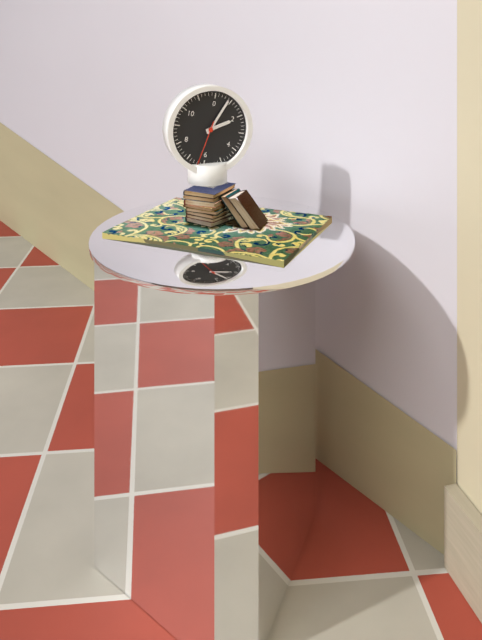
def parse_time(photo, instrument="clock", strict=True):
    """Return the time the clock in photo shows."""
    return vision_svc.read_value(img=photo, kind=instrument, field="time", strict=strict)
2:04
